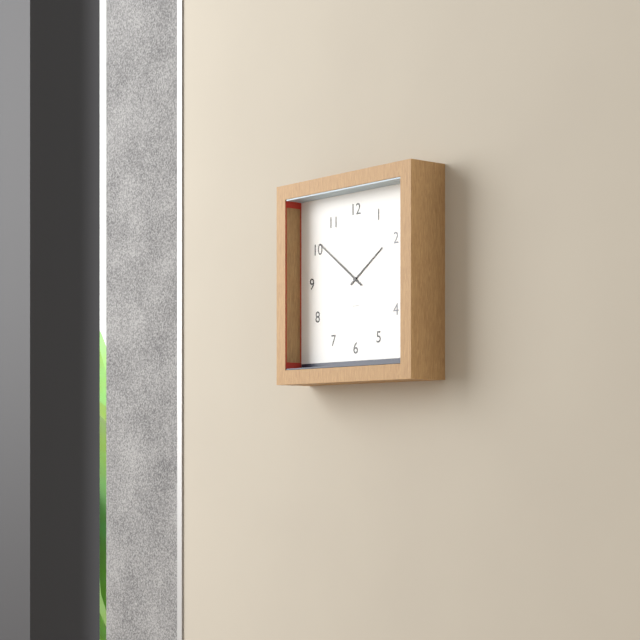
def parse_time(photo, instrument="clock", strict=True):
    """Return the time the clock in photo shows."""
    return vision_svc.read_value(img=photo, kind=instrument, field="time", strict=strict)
1:51
